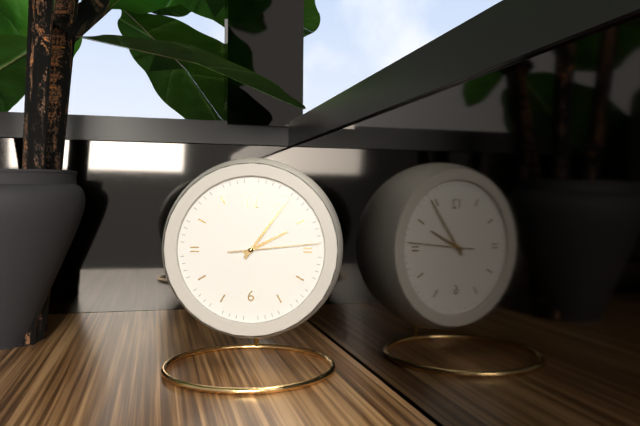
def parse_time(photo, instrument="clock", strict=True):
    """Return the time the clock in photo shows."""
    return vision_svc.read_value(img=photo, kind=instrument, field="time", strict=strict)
2:06:14
